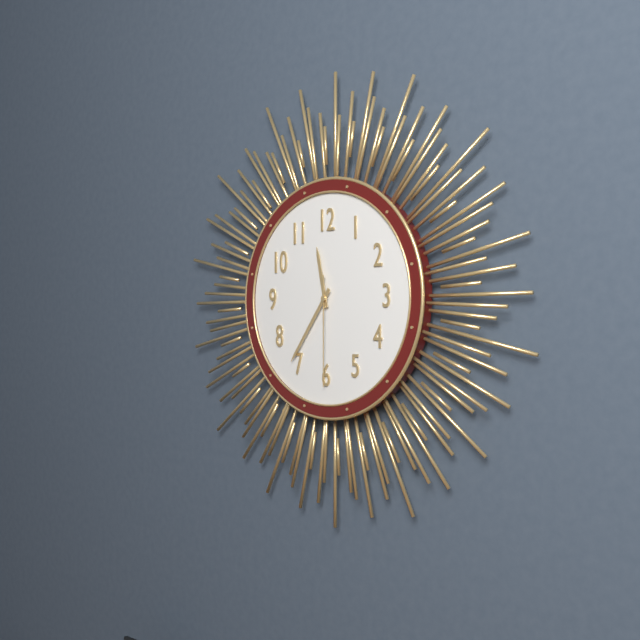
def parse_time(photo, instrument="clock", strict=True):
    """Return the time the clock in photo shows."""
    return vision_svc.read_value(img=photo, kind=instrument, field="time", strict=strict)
11:36:30
